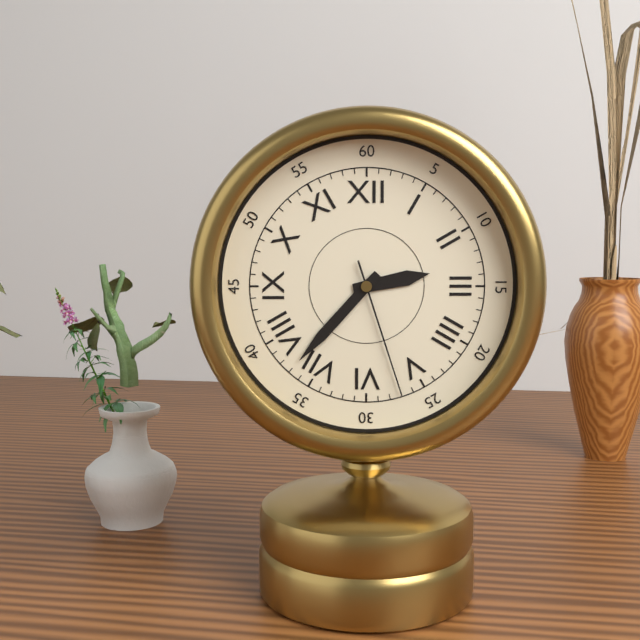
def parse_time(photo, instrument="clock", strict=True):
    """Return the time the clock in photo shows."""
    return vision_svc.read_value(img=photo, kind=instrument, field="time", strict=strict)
2:37:27
